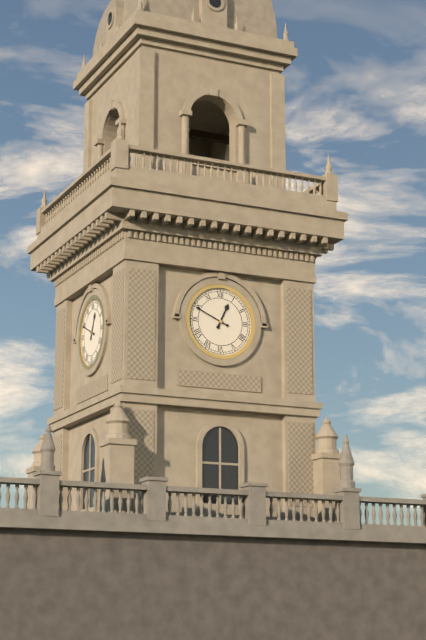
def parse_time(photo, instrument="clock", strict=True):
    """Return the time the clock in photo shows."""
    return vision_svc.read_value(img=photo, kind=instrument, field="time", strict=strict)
12:49
